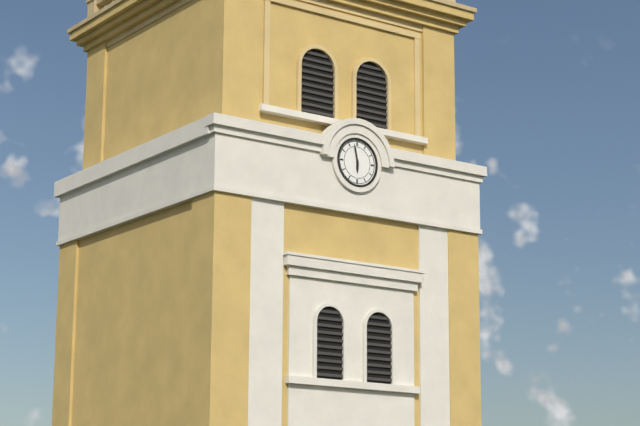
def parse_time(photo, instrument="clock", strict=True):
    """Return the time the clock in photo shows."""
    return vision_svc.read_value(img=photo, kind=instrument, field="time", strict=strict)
5:58
